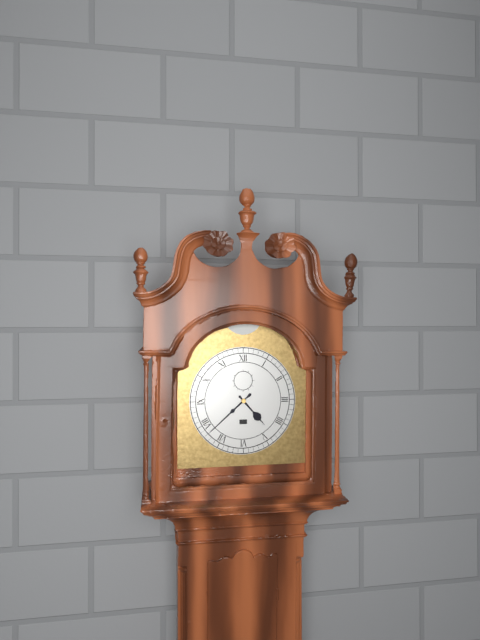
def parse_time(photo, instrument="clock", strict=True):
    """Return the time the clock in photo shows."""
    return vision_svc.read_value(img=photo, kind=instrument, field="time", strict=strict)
4:38
